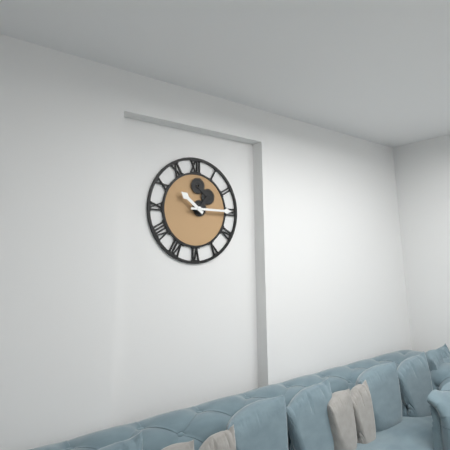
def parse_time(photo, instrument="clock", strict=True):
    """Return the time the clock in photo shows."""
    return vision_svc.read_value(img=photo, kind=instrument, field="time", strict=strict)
10:15
